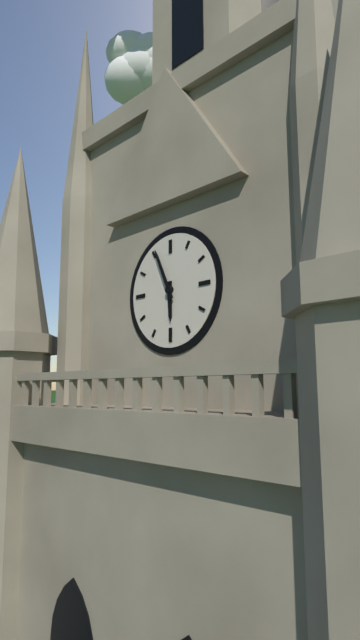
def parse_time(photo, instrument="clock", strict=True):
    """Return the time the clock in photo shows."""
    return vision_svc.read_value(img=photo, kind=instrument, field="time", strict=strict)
5:56
